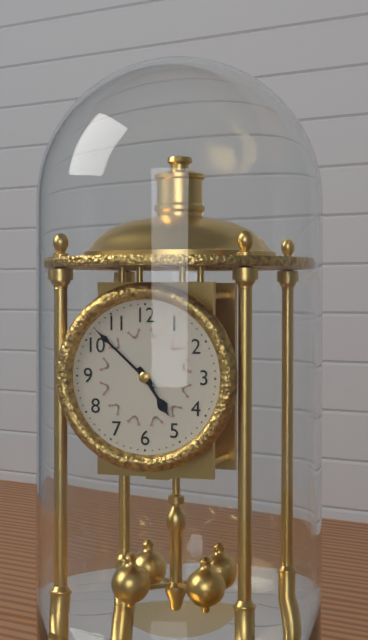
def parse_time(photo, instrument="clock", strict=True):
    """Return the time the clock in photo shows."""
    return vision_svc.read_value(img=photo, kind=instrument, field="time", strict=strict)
4:52
